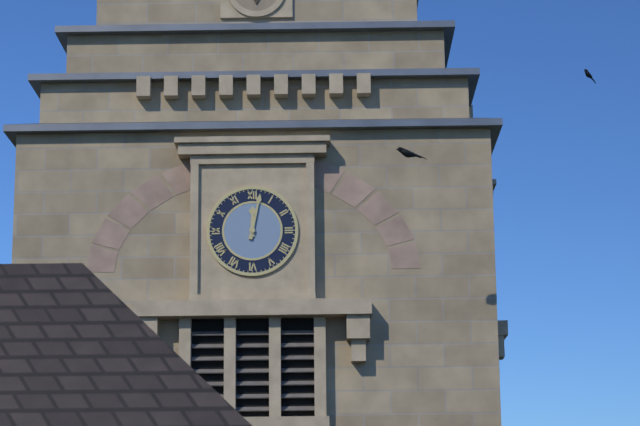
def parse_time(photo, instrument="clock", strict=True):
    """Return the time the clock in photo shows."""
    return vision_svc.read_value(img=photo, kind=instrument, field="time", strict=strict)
12:02
